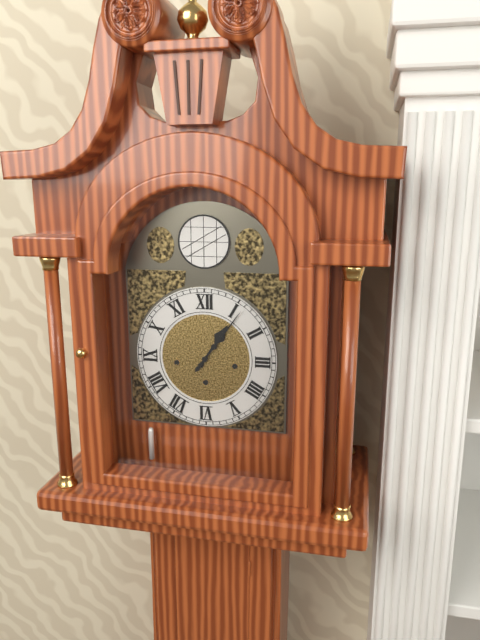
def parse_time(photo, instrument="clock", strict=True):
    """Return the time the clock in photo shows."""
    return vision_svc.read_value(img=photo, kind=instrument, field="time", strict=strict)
1:06
